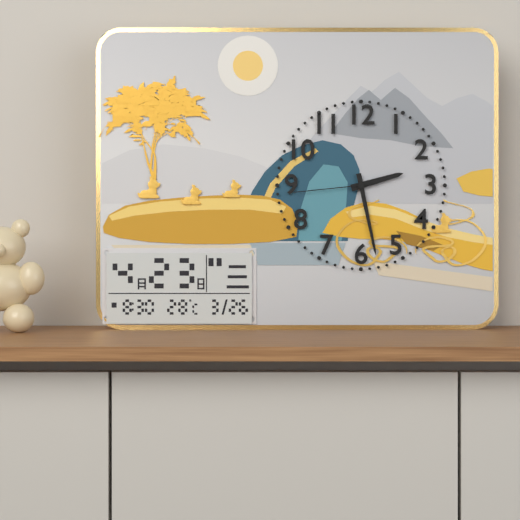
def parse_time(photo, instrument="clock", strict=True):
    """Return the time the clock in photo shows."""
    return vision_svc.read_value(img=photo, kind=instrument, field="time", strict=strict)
2:28:44
